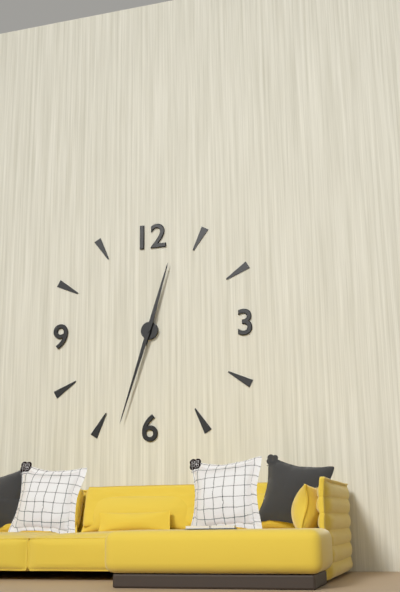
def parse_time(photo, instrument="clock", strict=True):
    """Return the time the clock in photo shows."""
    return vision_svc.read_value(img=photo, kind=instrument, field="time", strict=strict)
12:33
